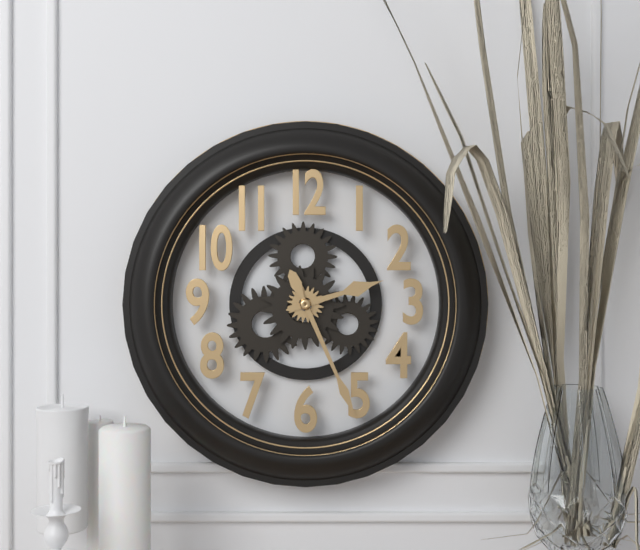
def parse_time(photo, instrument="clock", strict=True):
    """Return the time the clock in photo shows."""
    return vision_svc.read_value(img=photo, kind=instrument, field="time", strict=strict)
2:26
